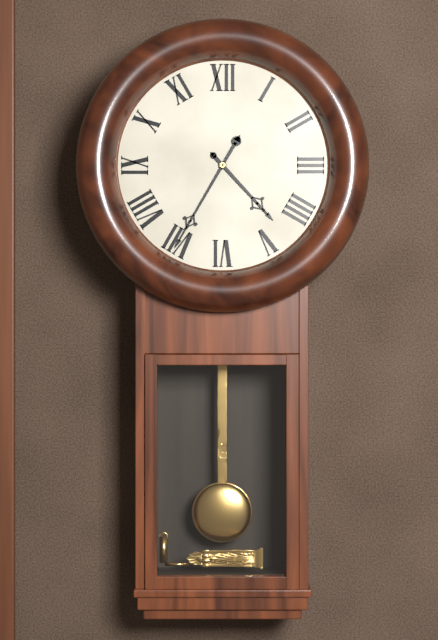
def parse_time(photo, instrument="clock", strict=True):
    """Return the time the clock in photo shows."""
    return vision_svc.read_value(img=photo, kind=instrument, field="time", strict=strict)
4:35
